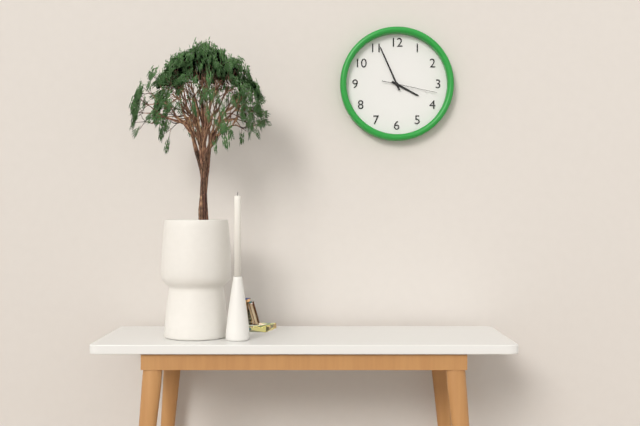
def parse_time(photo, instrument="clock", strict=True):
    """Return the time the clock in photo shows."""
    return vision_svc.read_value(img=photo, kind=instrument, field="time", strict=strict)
3:56:17
